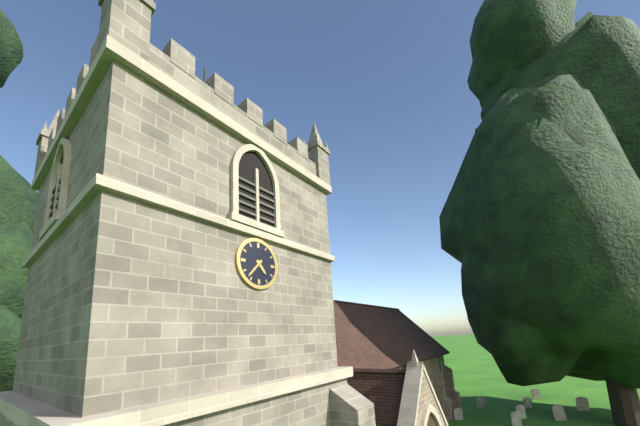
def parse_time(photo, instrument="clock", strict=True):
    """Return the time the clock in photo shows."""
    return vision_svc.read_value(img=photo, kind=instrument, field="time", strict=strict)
4:37
